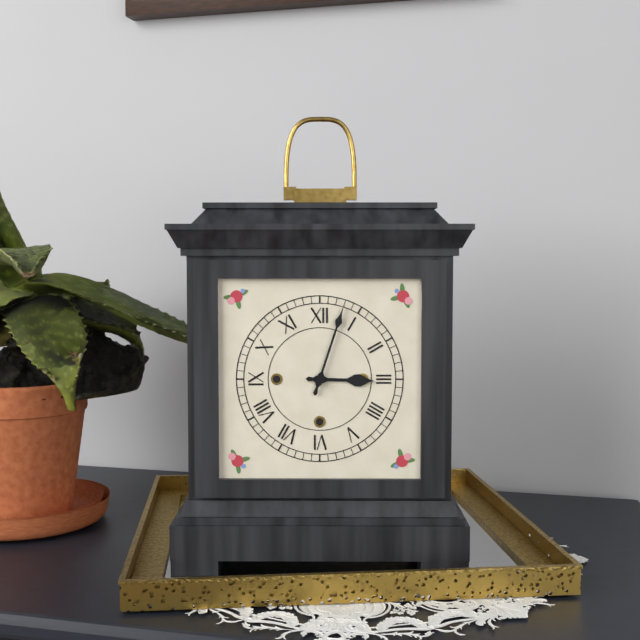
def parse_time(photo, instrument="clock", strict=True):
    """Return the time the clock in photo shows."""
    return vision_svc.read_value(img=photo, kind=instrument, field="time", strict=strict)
3:03
